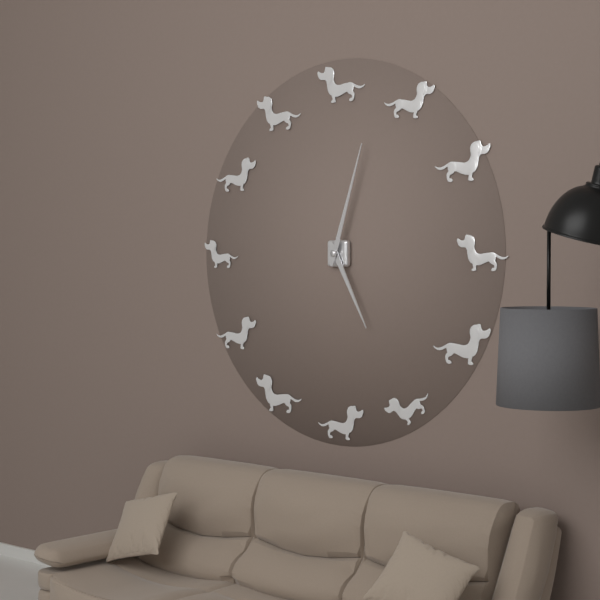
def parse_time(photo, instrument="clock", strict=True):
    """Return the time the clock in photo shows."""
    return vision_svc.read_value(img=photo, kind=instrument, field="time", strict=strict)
5:03
